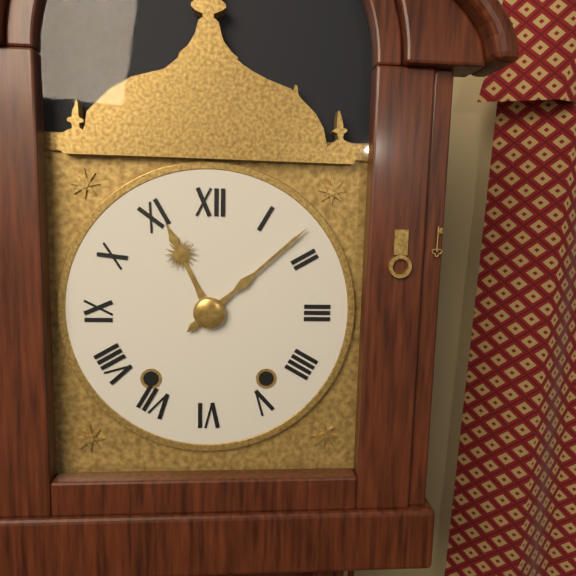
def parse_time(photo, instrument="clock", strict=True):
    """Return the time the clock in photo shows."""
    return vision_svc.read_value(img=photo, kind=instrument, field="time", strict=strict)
11:08
